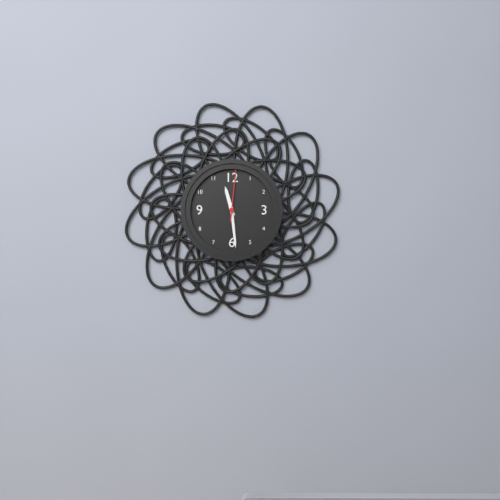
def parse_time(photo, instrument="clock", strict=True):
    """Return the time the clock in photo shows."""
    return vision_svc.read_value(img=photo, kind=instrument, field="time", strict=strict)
11:29:01
